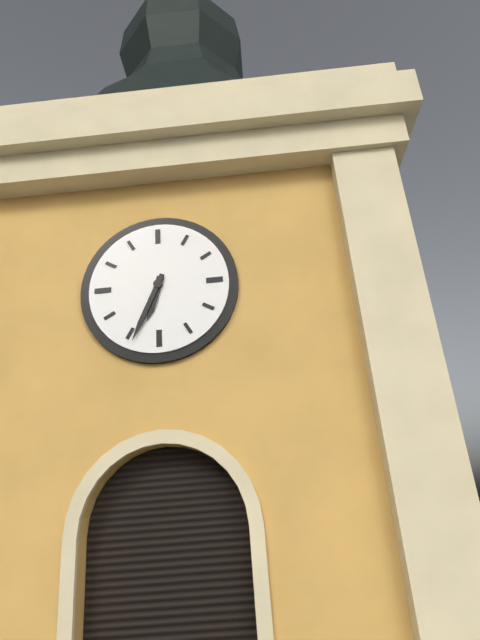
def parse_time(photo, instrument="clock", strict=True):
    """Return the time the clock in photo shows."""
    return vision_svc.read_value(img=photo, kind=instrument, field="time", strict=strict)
6:34
